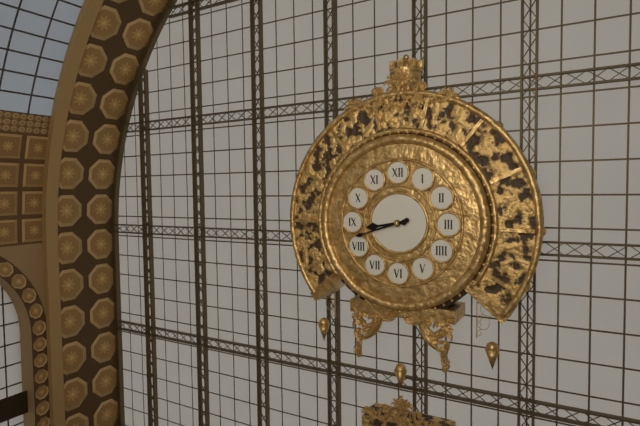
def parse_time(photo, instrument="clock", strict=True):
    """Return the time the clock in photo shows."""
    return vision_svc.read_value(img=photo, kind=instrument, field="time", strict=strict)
8:42
